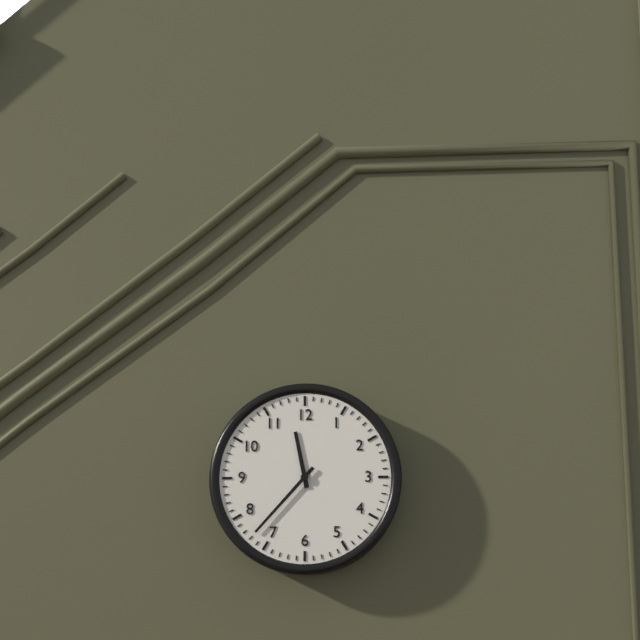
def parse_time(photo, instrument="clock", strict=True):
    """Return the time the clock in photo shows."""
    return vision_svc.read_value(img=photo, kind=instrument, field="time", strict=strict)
11:37
